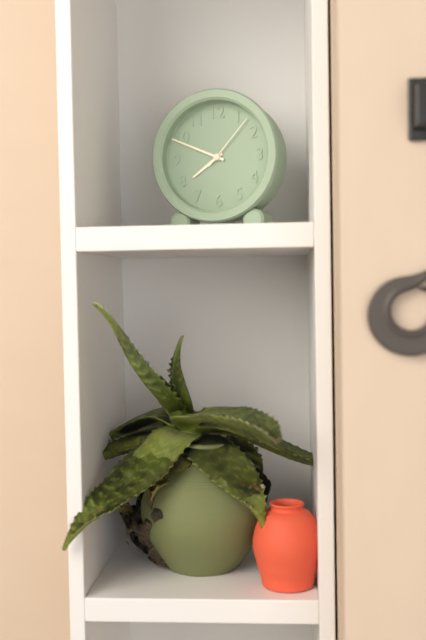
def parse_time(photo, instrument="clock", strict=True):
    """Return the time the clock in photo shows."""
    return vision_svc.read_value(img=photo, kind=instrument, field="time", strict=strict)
7:49:07
